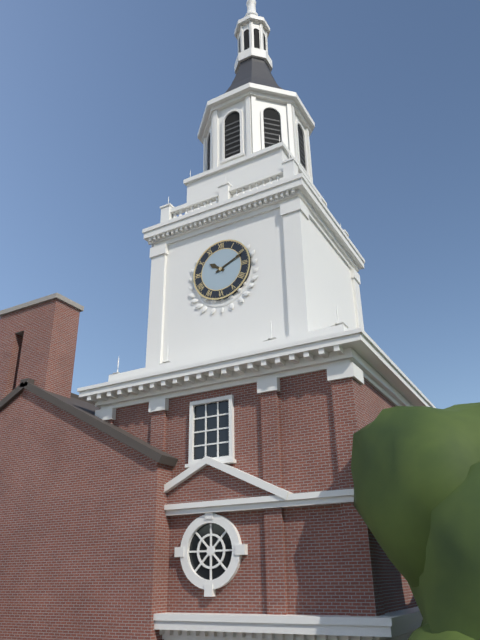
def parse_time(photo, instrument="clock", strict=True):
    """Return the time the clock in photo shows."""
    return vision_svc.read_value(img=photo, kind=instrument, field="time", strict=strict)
10:11
